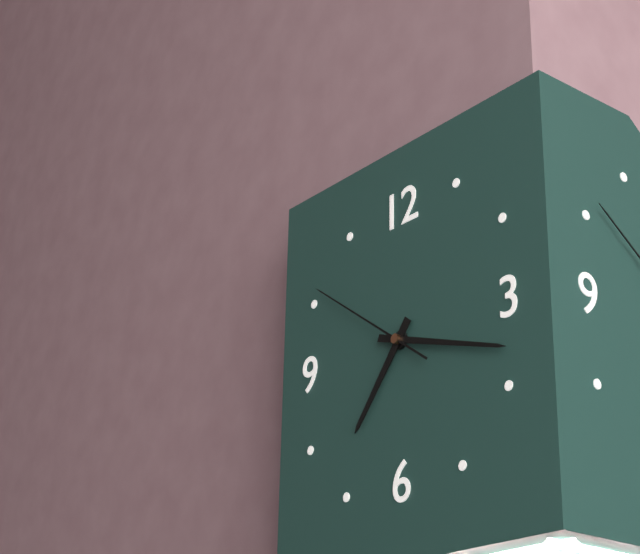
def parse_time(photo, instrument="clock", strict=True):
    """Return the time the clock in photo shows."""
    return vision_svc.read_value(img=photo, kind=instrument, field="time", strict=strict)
7:18:51
